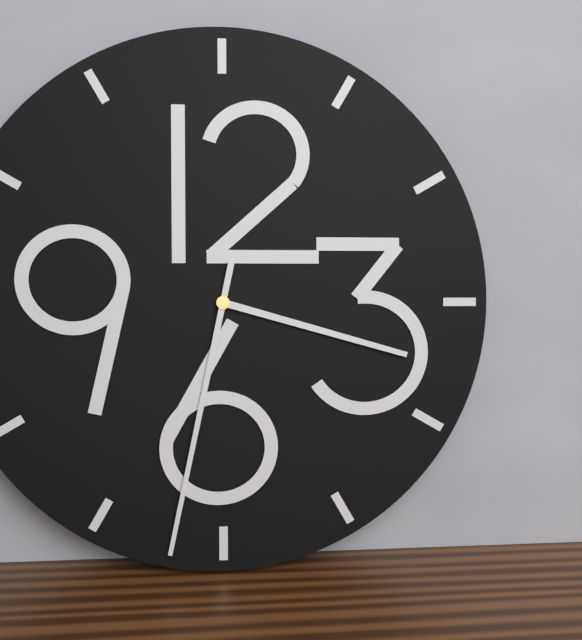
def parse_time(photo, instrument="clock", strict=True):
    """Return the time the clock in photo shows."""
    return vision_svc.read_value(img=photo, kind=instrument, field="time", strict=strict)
3:32
